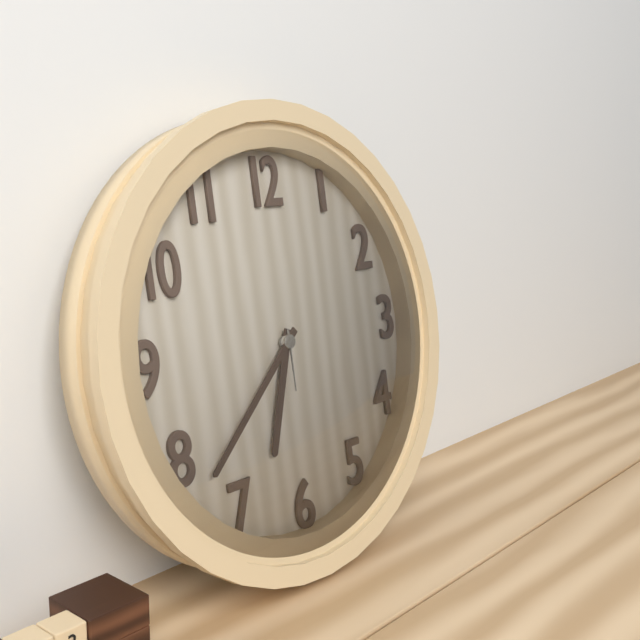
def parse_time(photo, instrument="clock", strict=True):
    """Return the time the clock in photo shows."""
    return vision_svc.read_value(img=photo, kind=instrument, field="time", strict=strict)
6:38:30
